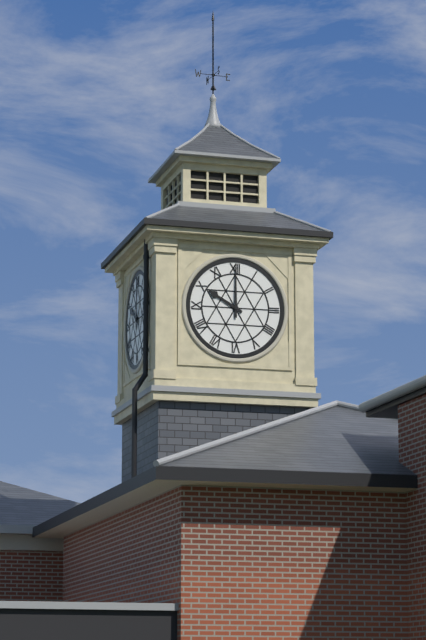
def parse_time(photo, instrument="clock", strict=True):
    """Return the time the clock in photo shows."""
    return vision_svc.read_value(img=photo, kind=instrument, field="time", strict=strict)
10:00
